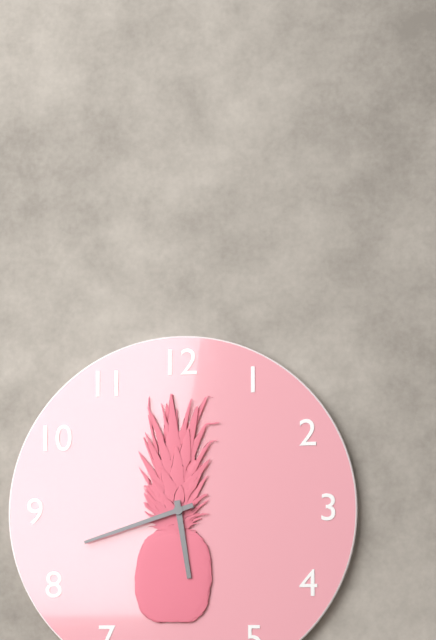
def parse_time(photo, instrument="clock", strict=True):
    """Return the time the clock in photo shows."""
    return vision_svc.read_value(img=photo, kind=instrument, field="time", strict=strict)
5:42
